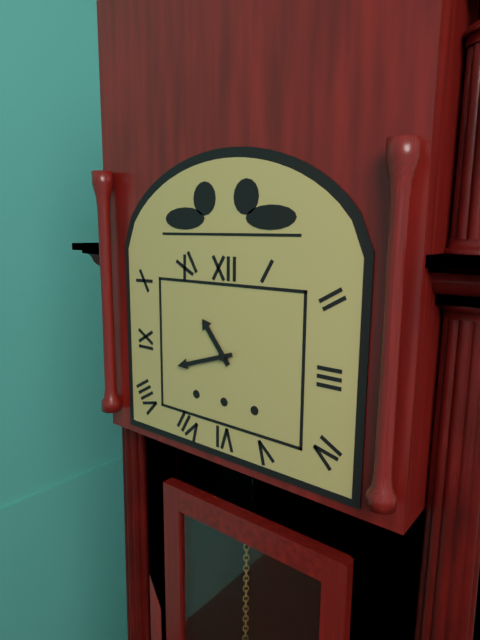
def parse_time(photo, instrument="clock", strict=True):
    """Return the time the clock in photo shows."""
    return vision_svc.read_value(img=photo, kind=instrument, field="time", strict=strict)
10:42
